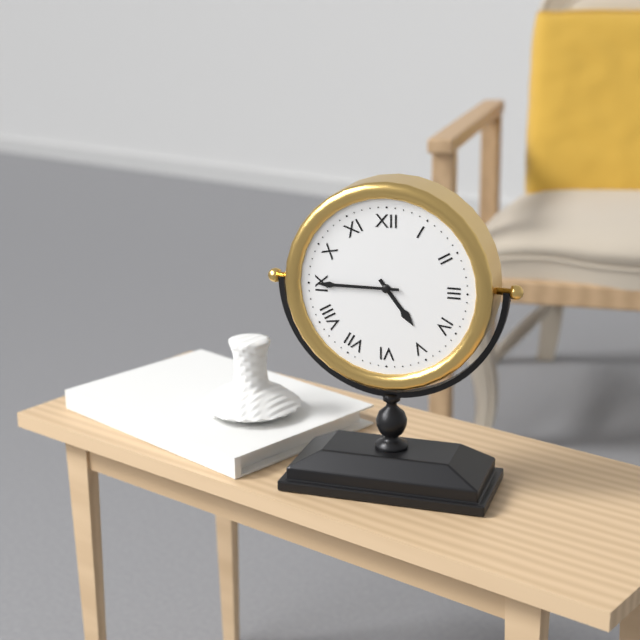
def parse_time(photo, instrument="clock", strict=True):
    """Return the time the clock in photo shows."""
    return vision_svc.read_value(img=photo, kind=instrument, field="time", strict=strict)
4:45
